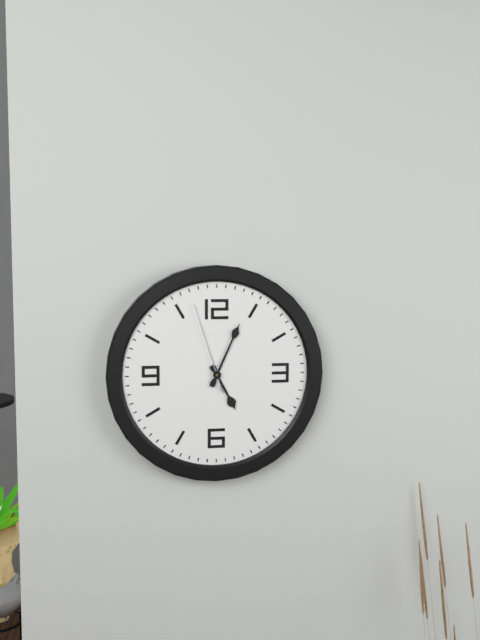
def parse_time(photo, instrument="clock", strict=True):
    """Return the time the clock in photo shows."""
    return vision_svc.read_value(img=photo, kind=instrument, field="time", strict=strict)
5:04:57
